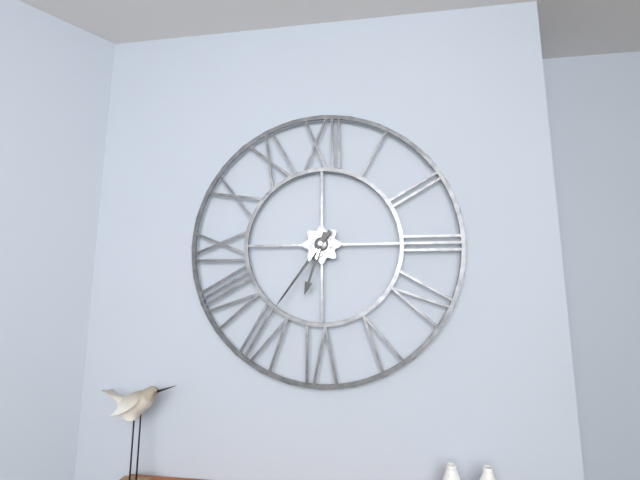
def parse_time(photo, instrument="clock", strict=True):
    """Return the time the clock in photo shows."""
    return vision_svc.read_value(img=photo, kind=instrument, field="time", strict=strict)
6:36
